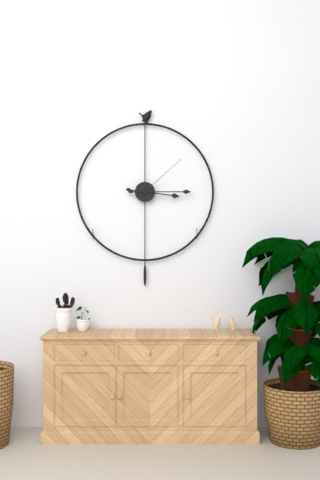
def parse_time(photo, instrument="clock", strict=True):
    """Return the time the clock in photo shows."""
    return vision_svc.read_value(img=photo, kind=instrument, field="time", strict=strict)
3:15:08
